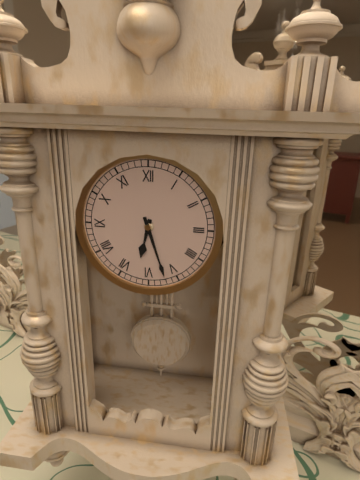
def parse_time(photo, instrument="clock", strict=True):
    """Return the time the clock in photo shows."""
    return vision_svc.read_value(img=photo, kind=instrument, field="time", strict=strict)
6:27
